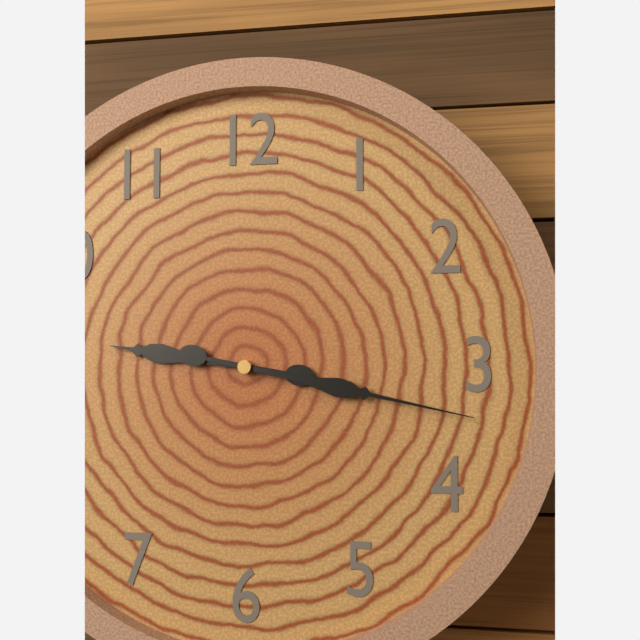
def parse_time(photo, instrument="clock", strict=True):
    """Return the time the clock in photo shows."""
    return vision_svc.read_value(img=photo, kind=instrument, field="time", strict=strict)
9:17
